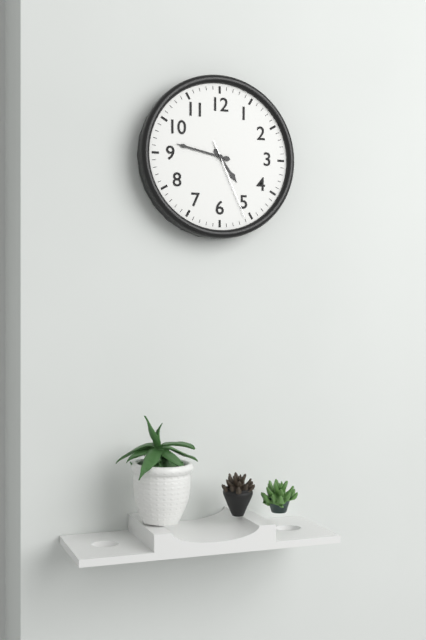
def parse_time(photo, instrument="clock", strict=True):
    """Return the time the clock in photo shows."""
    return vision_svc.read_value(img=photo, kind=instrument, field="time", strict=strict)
4:47:26
